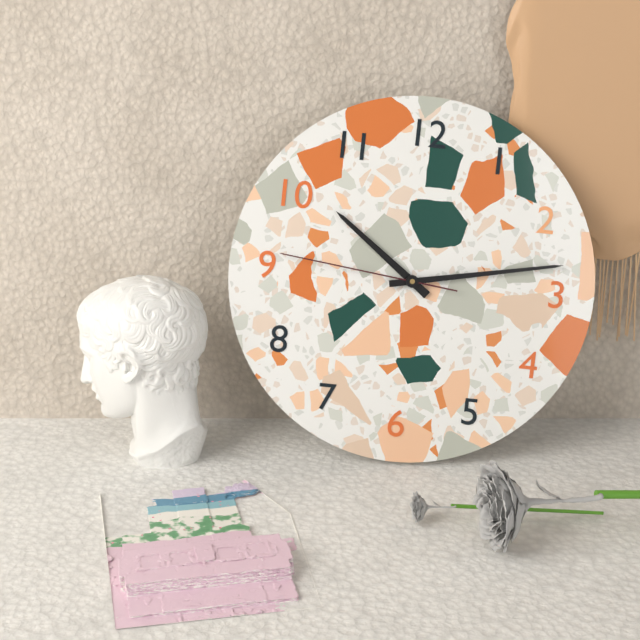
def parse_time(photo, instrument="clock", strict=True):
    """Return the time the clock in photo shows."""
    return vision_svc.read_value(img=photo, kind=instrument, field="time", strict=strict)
10:13:46
